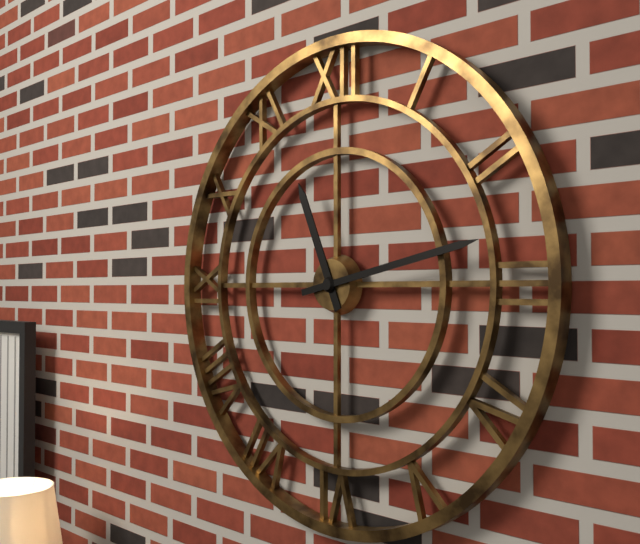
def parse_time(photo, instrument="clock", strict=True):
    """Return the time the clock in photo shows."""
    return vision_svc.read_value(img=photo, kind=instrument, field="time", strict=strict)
11:13
